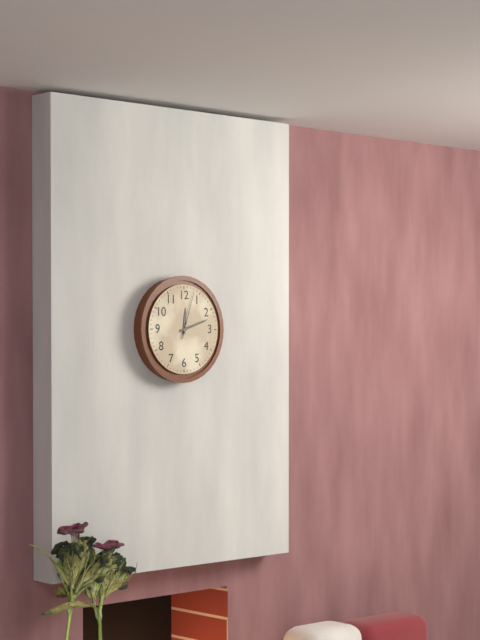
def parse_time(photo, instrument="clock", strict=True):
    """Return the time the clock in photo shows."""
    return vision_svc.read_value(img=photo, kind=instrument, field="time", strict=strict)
12:12
